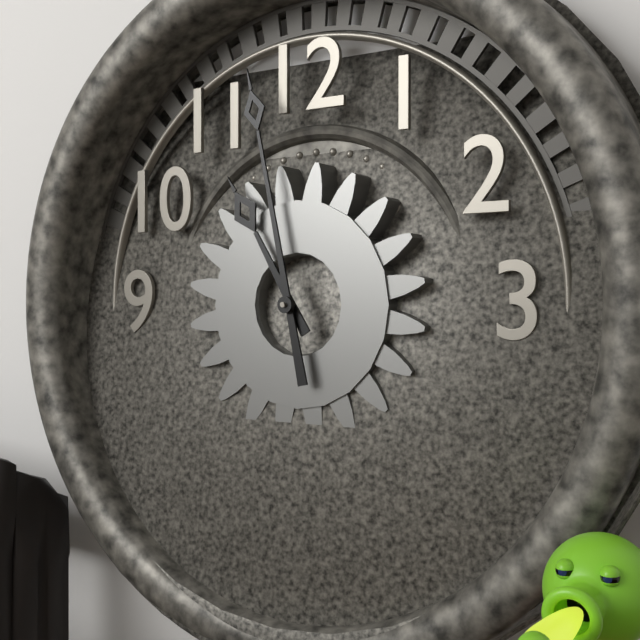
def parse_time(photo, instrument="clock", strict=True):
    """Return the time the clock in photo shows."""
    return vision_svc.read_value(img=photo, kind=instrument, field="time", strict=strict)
10:58
